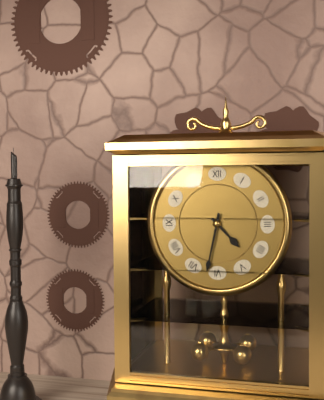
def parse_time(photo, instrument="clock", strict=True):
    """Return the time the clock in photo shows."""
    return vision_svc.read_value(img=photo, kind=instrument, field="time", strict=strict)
4:32
